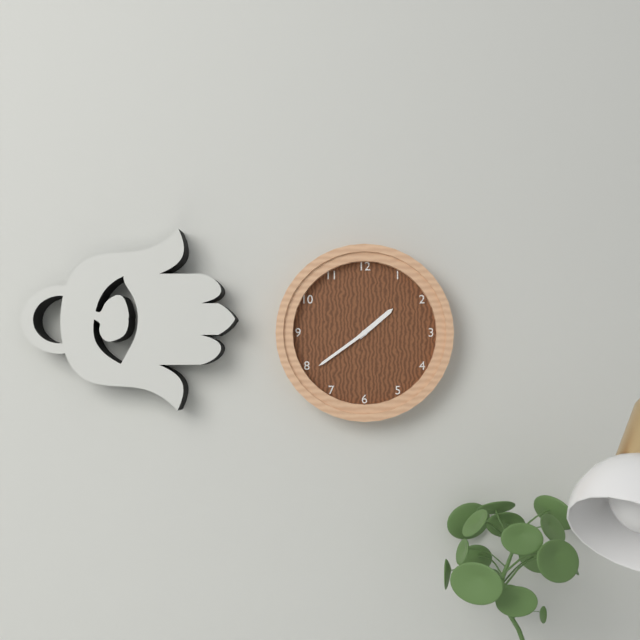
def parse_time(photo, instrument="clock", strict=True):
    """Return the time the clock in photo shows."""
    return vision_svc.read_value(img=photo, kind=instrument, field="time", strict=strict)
1:39
